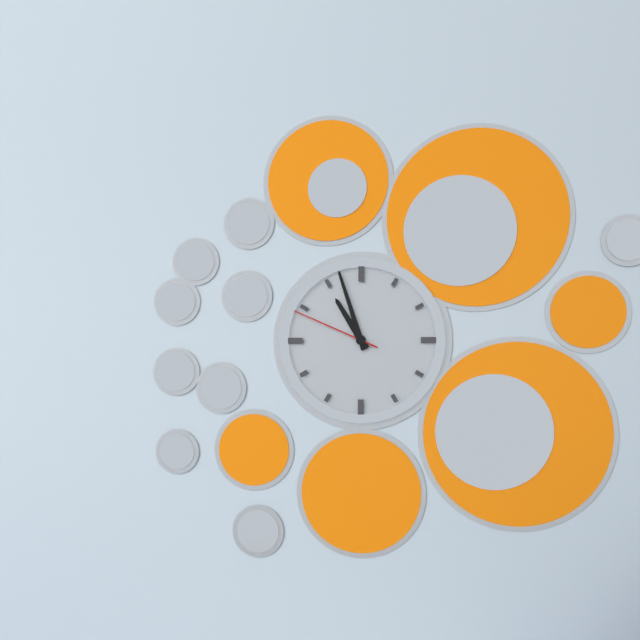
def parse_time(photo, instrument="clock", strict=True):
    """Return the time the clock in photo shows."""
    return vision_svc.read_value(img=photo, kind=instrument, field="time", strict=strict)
10:57:49
